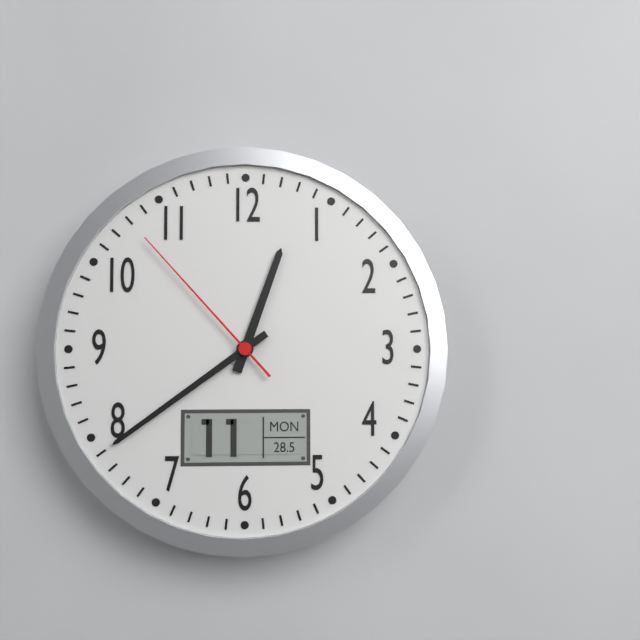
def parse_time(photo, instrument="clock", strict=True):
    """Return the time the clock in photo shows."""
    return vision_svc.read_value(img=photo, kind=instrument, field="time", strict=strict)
12:39:53
